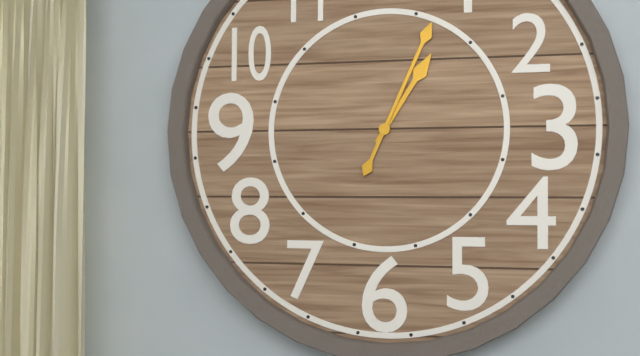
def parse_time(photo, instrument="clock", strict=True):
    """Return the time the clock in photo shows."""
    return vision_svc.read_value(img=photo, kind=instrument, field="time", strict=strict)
1:04
